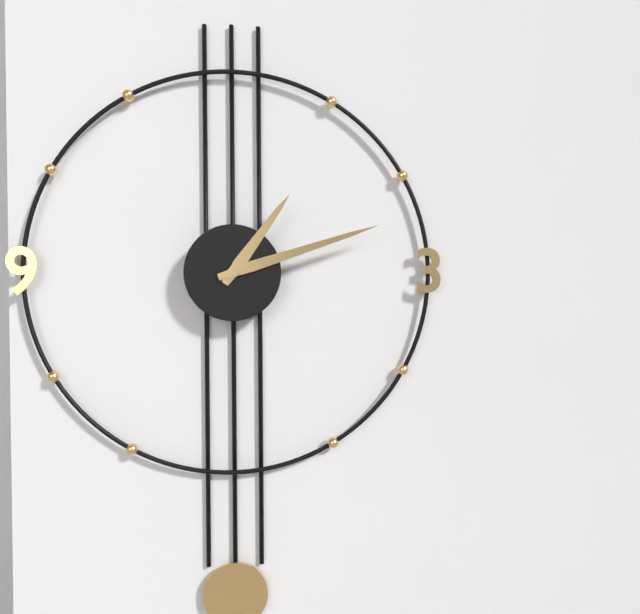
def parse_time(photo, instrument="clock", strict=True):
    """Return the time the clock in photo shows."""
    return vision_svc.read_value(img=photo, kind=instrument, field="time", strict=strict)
1:12
